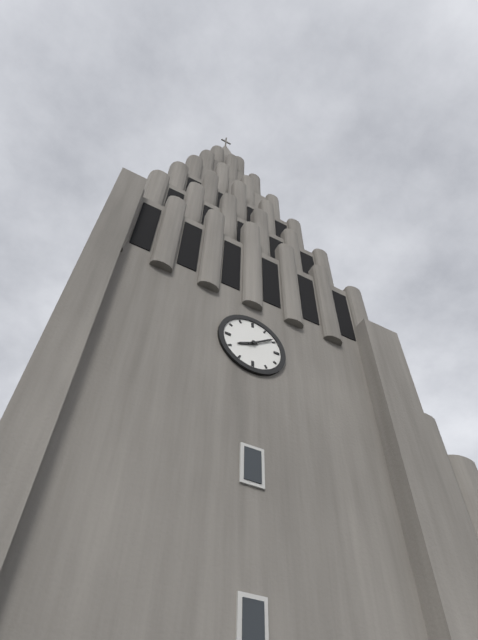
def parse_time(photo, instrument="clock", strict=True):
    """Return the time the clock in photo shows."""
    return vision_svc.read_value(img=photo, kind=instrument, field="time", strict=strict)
8:09
